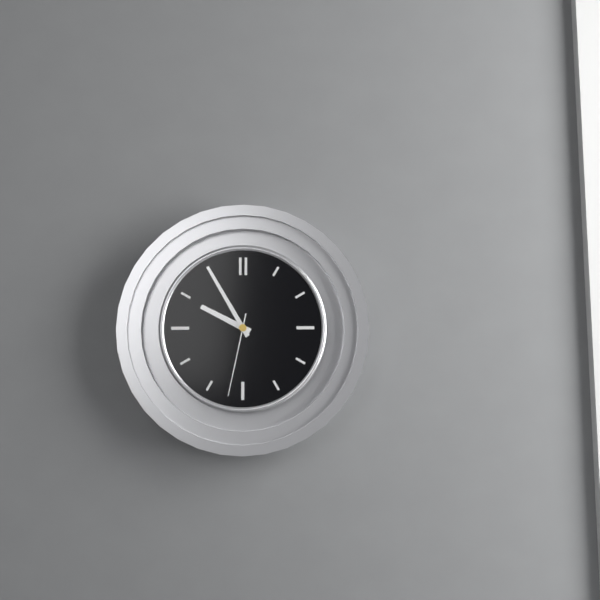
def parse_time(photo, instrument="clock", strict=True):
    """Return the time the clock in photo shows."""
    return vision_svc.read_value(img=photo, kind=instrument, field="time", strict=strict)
9:55:32
